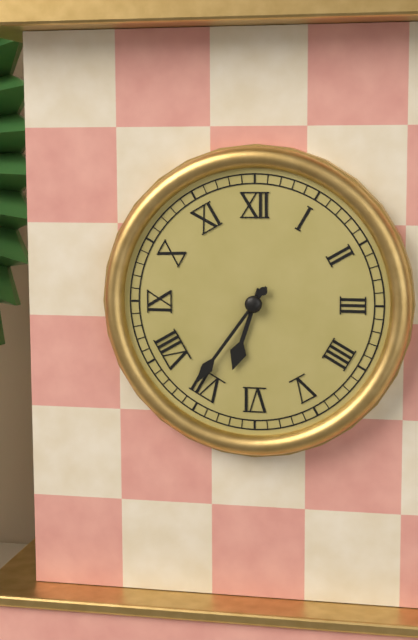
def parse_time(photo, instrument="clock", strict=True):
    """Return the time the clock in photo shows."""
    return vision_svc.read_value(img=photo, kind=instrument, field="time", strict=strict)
6:36
